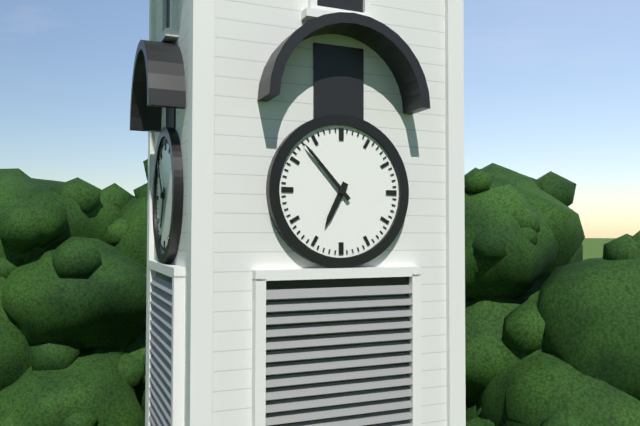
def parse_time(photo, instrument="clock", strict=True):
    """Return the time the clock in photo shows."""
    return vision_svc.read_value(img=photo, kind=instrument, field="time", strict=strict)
6:53
